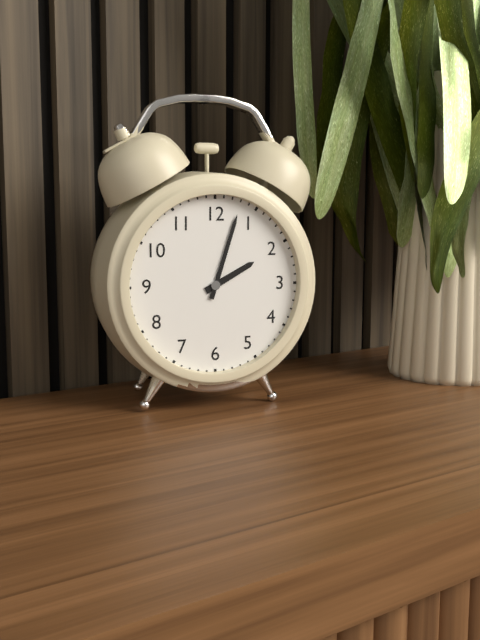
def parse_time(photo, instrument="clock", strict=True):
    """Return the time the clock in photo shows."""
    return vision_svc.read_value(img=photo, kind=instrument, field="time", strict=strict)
2:03
